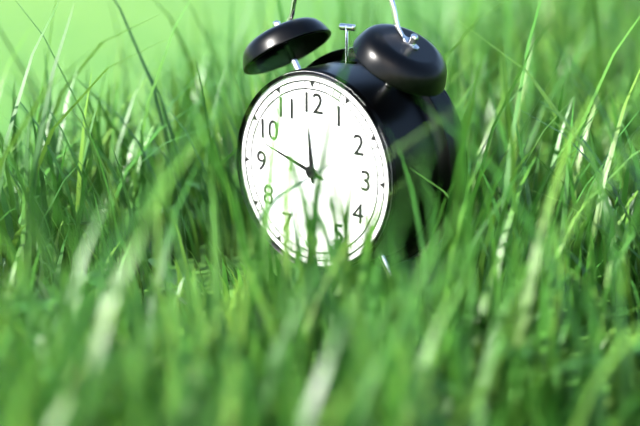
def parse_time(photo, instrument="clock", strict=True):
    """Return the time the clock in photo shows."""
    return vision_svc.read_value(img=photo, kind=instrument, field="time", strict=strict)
11:48
